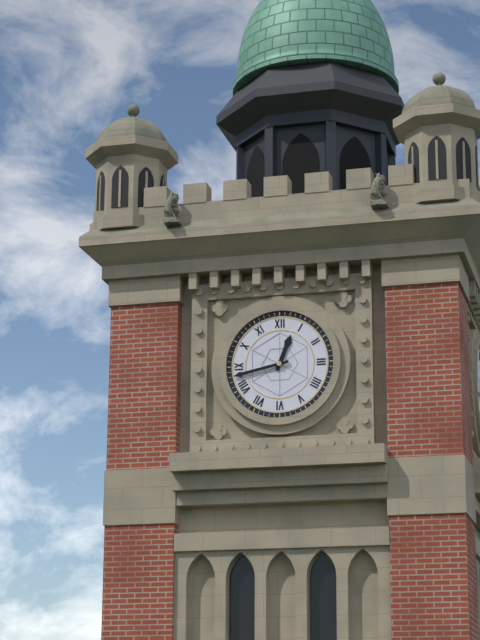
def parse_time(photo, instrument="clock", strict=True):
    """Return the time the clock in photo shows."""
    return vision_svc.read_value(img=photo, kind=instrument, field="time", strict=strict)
12:43
